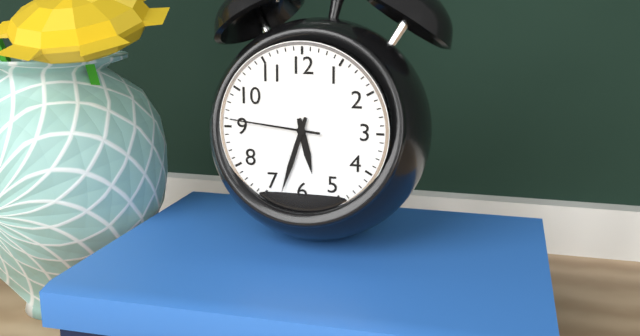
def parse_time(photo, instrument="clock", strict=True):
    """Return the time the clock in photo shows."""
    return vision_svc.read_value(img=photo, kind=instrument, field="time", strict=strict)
5:33:46
